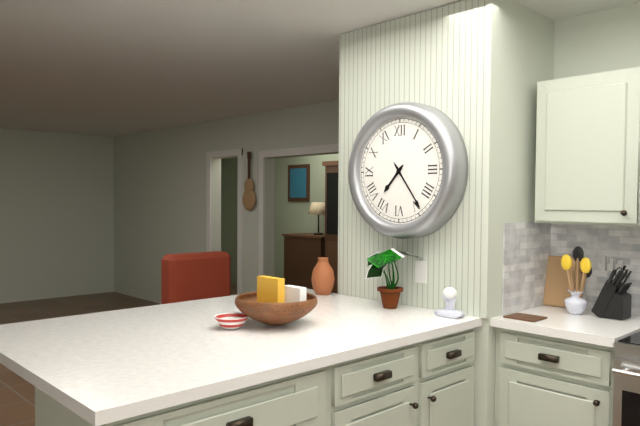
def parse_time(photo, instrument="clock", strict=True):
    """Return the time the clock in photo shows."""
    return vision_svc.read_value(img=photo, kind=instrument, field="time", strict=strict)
7:24
